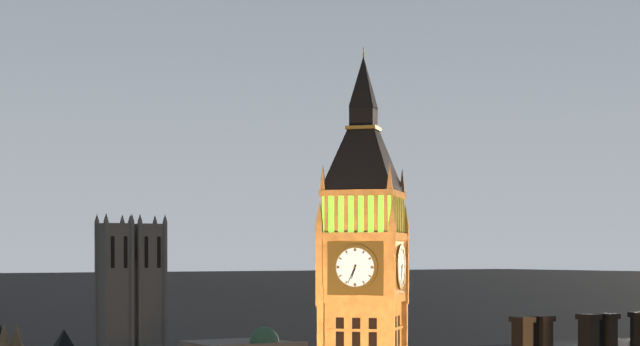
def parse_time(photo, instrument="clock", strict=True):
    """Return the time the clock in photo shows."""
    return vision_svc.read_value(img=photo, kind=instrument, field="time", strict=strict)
6:34
